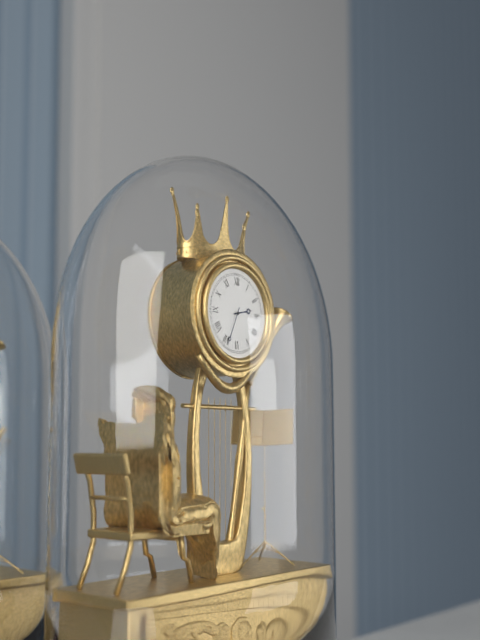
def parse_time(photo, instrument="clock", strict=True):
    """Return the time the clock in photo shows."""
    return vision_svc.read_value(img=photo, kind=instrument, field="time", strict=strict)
2:34
